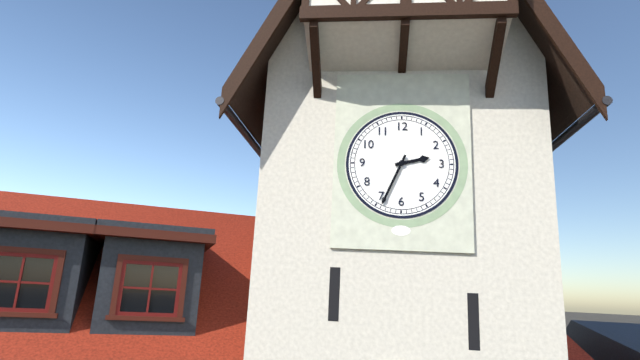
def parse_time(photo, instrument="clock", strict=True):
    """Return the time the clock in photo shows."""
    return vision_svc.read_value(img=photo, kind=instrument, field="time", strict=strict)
2:34
